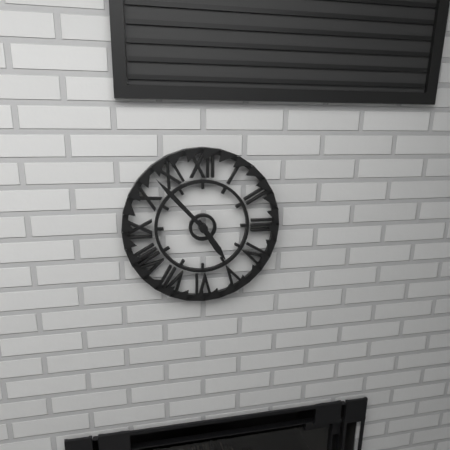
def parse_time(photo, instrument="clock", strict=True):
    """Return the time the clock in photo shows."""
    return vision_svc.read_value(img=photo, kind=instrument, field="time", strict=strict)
4:53
